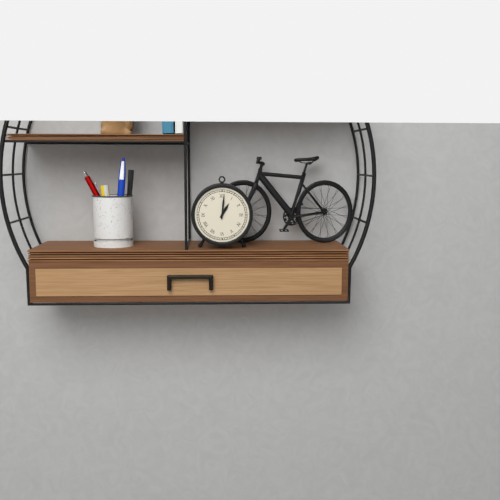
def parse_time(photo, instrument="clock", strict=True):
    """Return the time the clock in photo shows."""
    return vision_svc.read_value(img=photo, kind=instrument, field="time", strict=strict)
1:01
